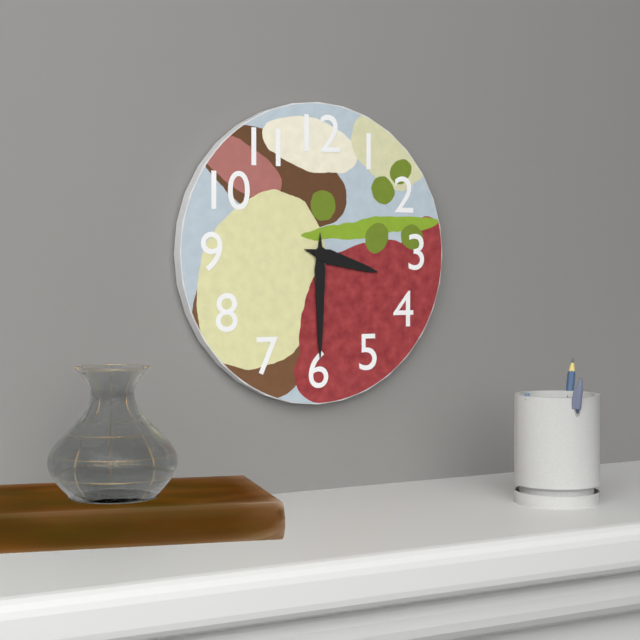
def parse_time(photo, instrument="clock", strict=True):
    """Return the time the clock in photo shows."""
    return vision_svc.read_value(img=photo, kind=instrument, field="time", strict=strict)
3:30
